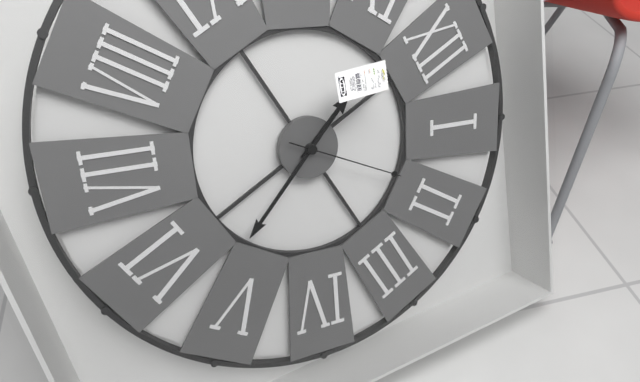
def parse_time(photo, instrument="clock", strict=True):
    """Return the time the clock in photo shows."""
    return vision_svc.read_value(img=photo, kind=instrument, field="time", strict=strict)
11:27:09
